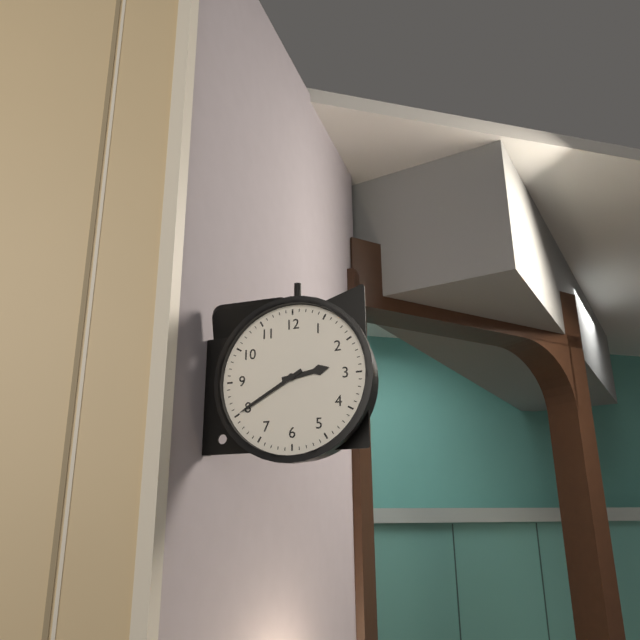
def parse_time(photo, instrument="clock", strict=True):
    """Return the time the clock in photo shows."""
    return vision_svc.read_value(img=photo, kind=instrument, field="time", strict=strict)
2:40
